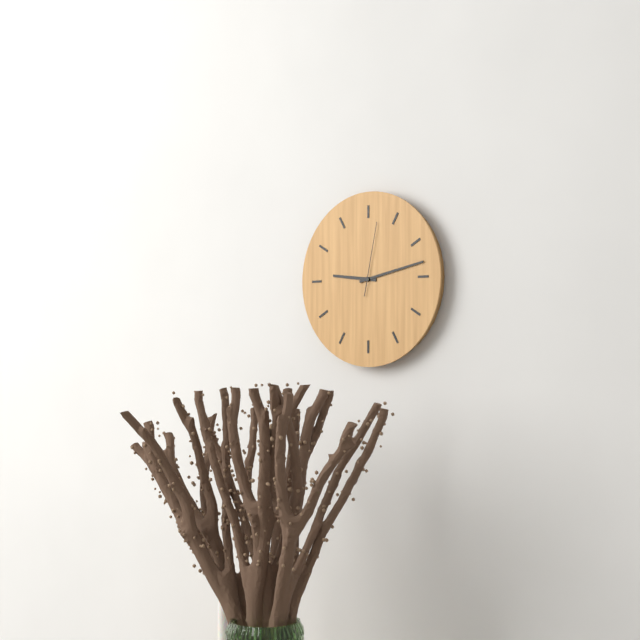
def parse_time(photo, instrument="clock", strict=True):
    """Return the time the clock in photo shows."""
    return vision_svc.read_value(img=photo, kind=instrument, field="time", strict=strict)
9:13:02
